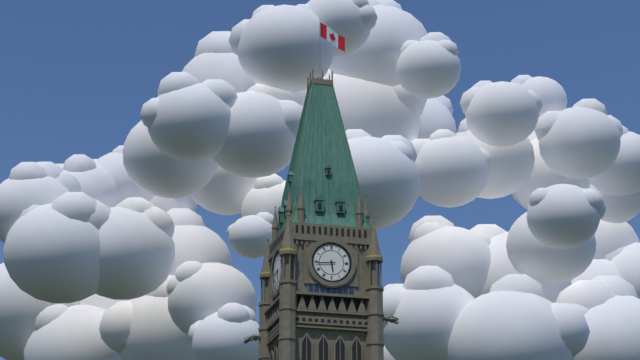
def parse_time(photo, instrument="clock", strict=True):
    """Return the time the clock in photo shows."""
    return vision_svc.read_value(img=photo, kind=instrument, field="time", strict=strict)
5:44
